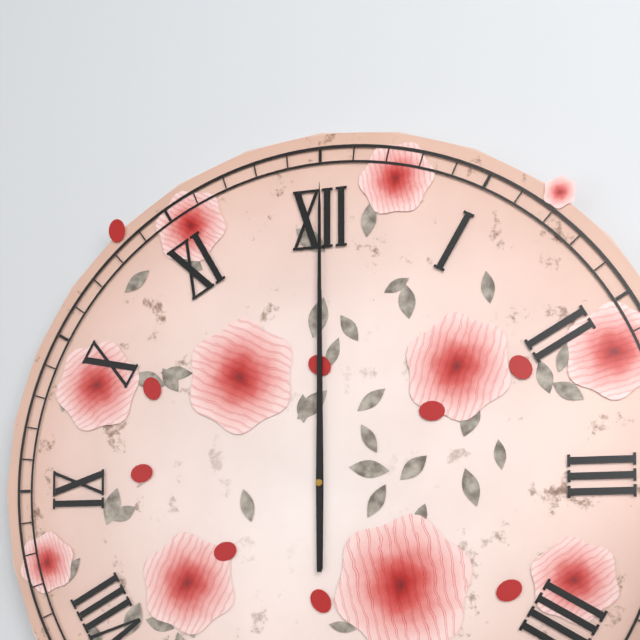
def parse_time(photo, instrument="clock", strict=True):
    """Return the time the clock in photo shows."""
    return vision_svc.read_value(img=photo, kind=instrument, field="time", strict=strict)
12:00
